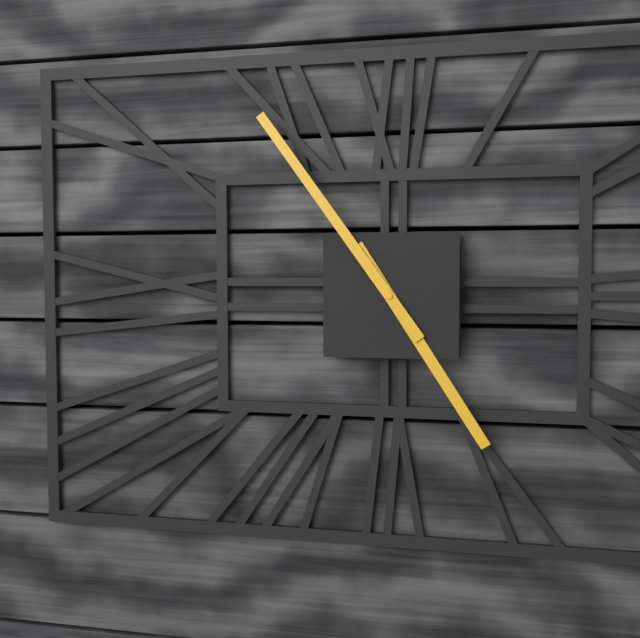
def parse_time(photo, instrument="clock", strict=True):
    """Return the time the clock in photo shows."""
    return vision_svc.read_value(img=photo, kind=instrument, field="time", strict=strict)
4:54
